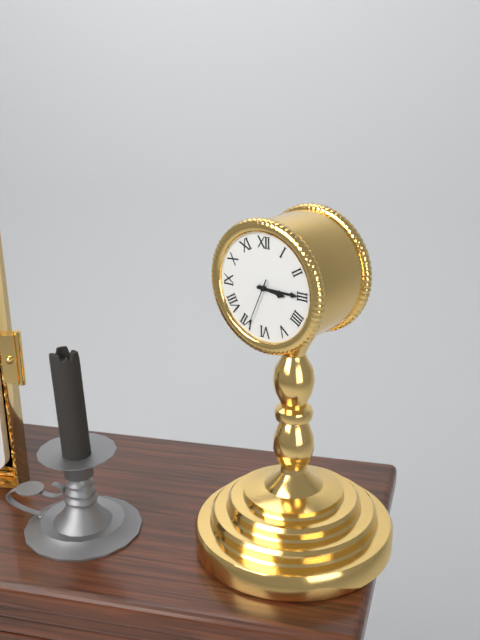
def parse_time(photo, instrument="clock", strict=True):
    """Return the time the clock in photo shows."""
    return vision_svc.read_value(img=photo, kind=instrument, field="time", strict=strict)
3:15:34
